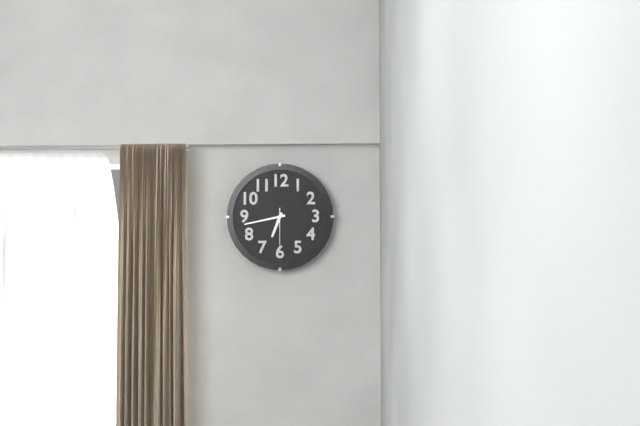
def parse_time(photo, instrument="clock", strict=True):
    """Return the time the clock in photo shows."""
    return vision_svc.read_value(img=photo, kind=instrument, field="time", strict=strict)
6:43
